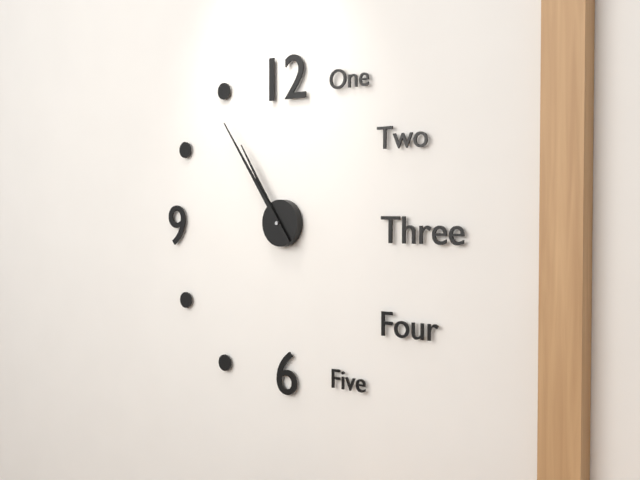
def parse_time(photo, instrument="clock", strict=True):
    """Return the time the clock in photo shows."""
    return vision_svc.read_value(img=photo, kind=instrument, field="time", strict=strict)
10:54
